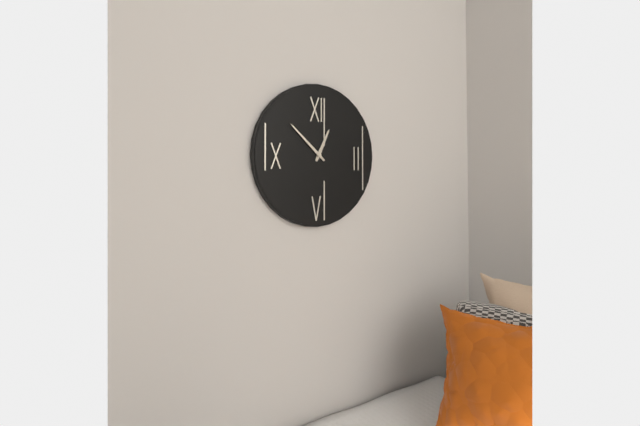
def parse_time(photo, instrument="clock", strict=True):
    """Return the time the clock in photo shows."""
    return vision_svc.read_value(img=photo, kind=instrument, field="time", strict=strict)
12:52
